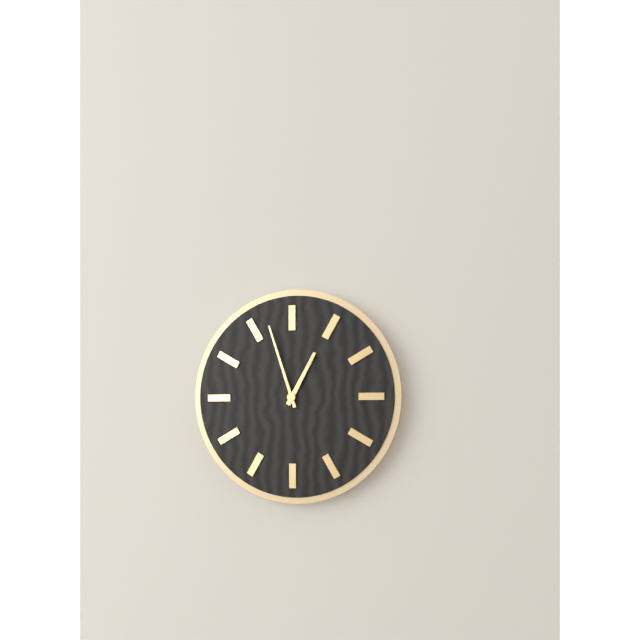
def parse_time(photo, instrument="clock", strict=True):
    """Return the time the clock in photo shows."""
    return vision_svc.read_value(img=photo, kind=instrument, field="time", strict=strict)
12:57
